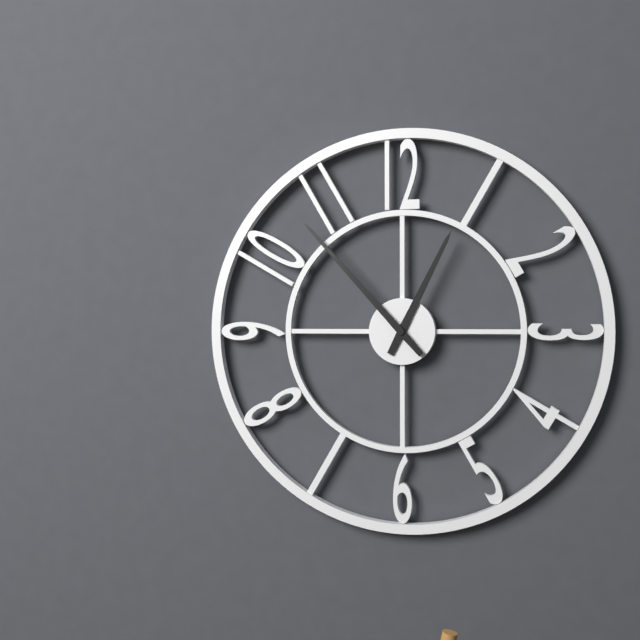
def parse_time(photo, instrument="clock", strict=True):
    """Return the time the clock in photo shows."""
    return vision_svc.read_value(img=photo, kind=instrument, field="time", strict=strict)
12:53
